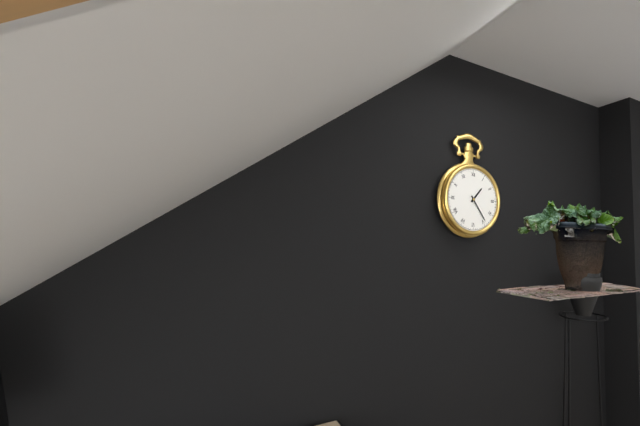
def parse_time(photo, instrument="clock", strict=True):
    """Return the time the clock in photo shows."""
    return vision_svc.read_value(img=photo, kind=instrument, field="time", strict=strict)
1:24
